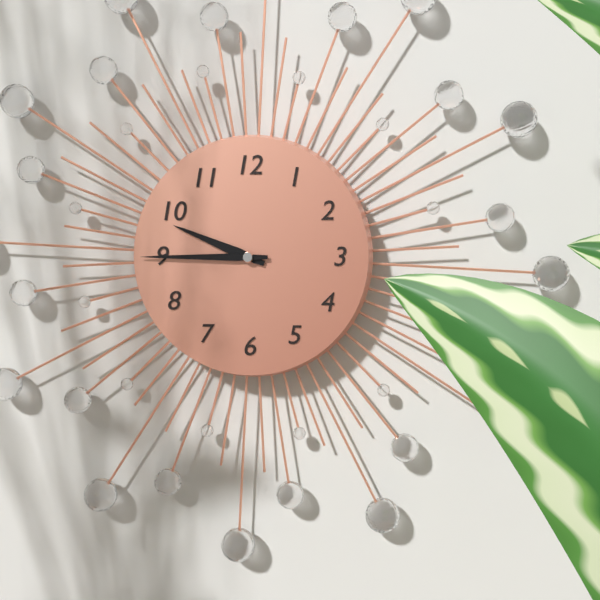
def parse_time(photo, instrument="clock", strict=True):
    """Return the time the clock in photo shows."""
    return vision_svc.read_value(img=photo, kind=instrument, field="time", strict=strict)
9:45
